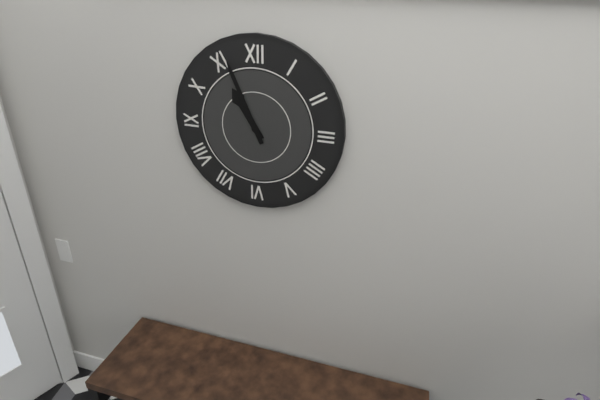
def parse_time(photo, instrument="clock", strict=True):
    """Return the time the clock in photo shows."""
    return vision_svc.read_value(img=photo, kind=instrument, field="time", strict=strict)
10:56
